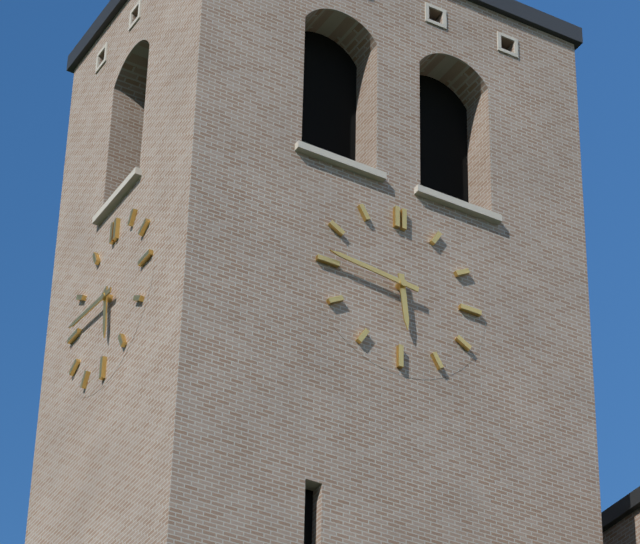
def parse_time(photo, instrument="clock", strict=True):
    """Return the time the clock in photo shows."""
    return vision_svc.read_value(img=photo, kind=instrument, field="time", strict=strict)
5:46
